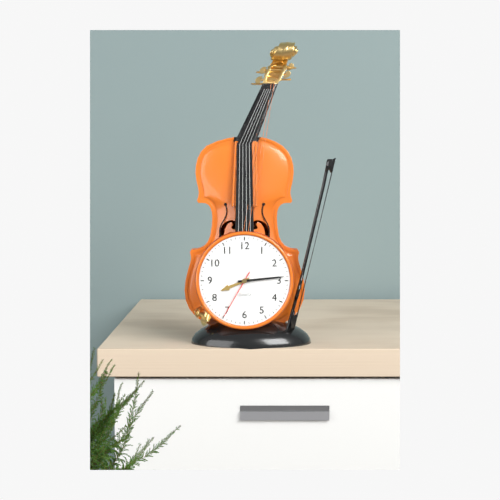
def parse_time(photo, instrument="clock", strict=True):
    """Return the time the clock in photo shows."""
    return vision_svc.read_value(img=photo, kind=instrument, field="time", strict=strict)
8:14:35
